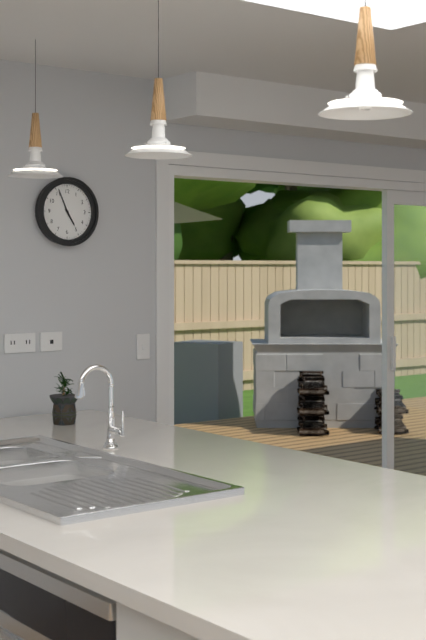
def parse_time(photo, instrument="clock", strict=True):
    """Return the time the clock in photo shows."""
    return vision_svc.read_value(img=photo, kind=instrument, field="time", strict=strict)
4:56
